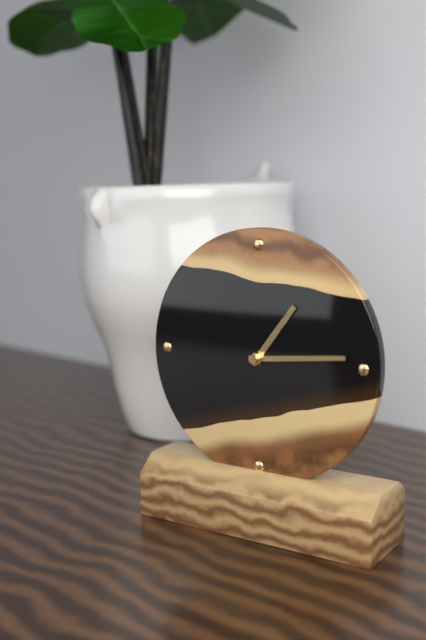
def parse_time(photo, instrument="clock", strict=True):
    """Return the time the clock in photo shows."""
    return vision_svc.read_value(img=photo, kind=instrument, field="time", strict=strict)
1:14
